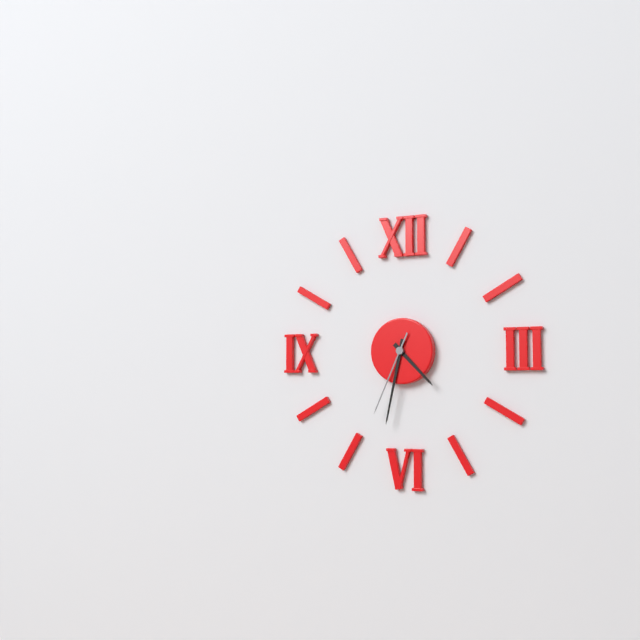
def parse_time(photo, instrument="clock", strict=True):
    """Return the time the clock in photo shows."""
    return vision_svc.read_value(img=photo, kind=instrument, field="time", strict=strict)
4:32:34
